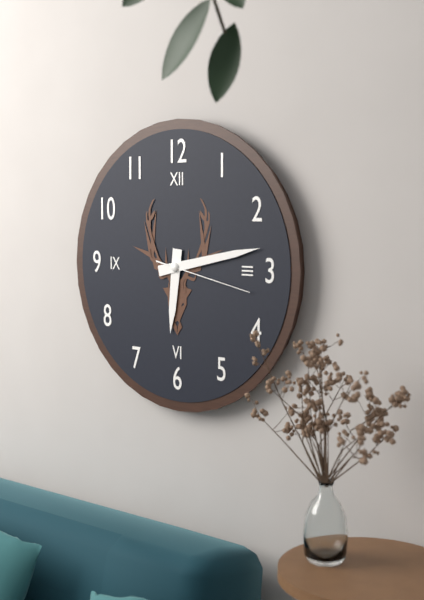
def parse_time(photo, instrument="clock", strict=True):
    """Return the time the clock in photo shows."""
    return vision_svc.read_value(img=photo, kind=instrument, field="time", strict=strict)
6:13:17
